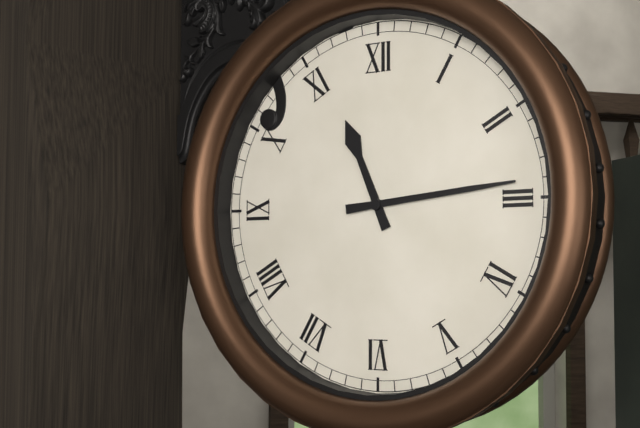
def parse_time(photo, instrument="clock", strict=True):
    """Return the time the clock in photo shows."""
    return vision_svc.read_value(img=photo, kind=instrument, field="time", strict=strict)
11:14
